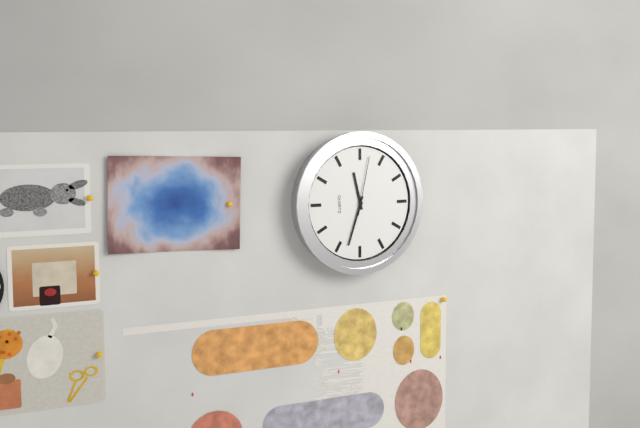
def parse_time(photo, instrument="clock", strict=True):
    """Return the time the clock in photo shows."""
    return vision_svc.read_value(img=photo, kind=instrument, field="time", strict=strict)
11:33:02
